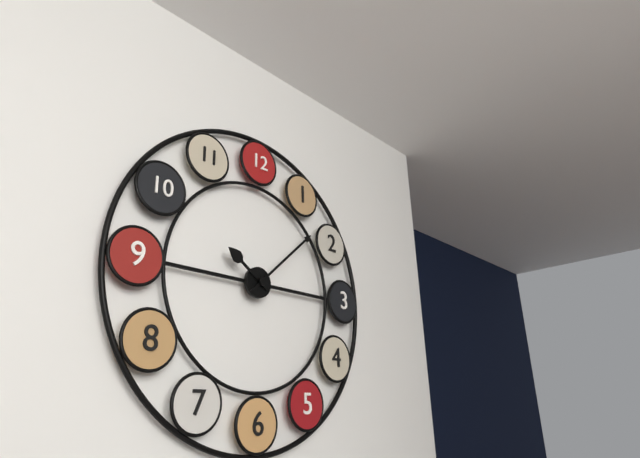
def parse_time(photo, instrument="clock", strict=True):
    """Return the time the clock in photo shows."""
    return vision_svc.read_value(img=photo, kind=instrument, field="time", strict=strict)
10:08
